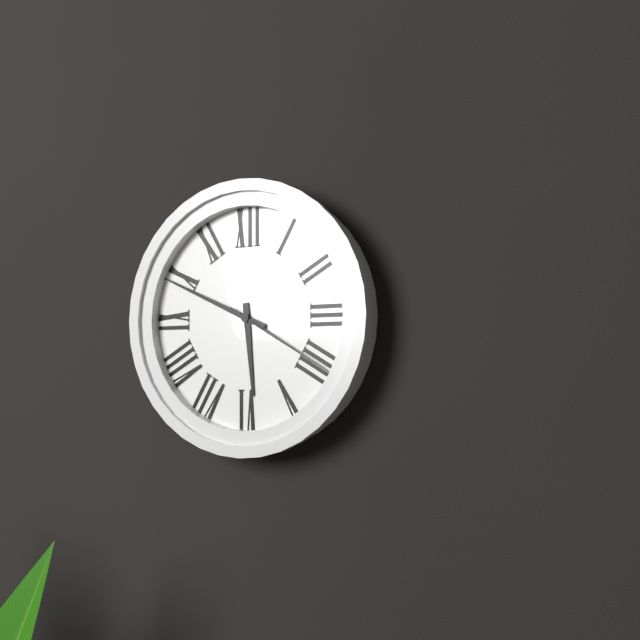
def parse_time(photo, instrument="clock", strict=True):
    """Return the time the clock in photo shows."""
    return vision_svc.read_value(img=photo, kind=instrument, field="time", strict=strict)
5:49:20
